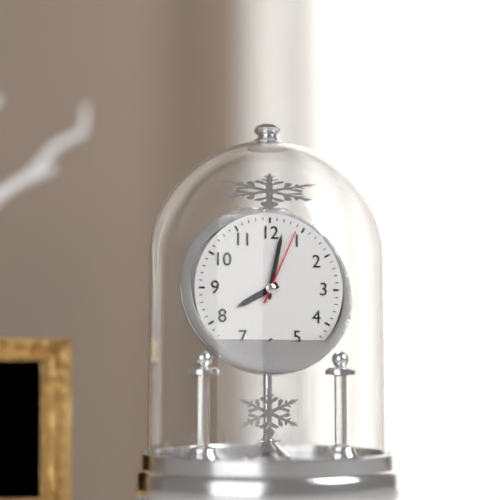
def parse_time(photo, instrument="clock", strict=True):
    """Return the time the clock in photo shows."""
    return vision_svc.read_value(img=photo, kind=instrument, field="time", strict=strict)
8:02:04
